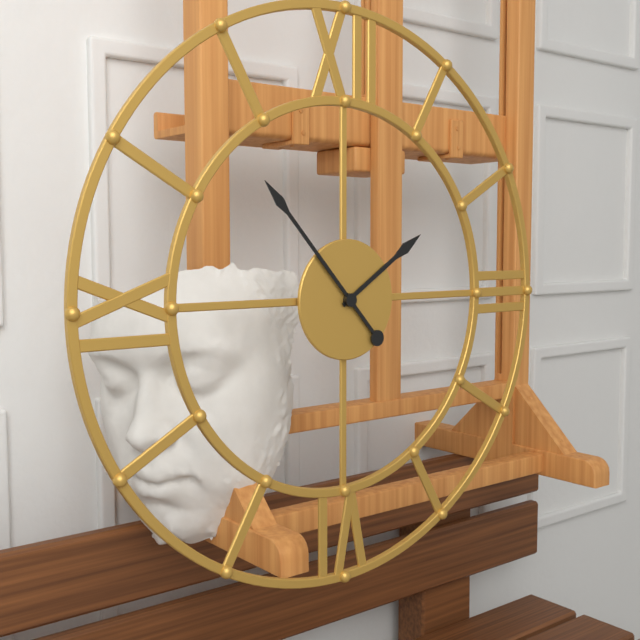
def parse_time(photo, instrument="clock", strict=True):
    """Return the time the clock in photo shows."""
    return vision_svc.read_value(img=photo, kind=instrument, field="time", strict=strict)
1:53
